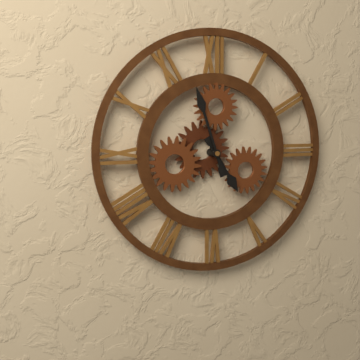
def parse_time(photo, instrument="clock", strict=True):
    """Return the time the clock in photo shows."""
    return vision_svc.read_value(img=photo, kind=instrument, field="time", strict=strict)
4:57
